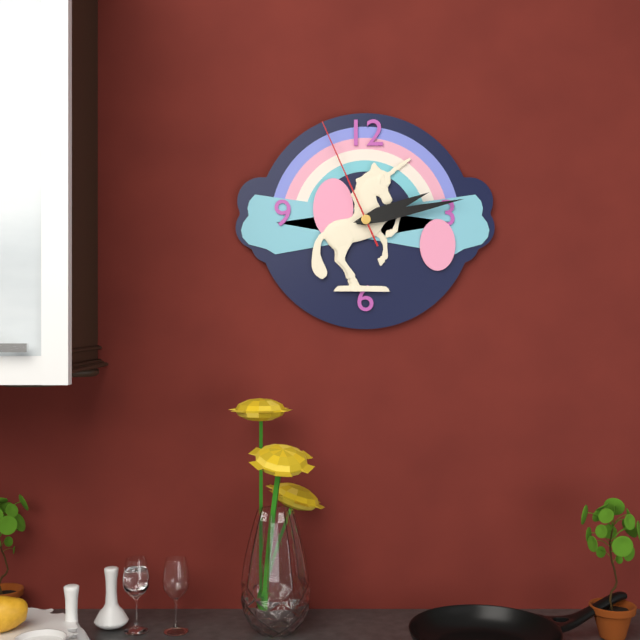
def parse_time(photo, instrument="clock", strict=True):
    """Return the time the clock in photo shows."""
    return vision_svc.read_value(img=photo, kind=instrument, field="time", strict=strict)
2:13:56
